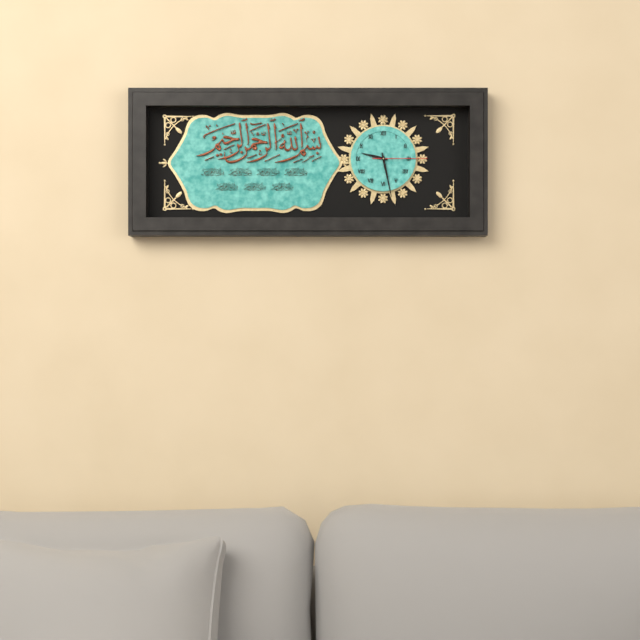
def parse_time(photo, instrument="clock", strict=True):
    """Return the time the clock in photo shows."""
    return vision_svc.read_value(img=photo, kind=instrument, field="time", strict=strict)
9:28:15
